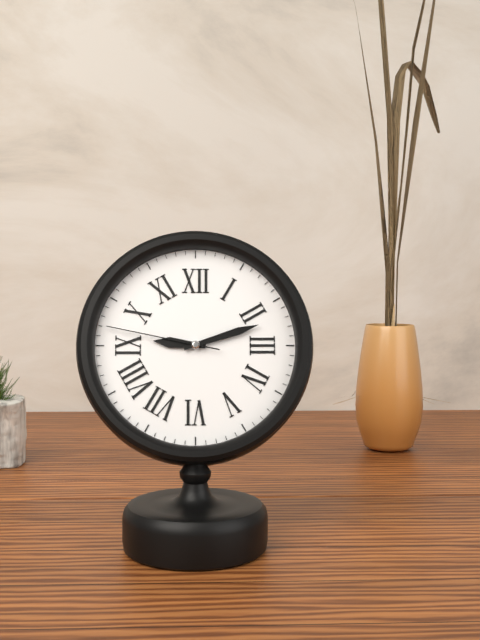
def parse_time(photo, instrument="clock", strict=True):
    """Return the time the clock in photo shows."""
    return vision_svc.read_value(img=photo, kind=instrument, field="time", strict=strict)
9:12:47
